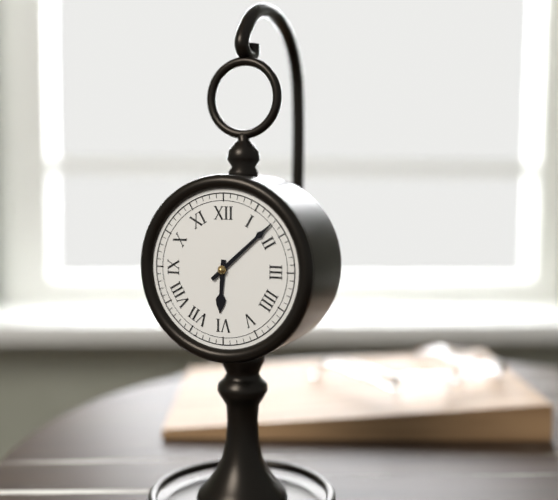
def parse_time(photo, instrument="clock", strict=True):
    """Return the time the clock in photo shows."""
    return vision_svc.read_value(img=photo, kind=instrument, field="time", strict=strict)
6:08
